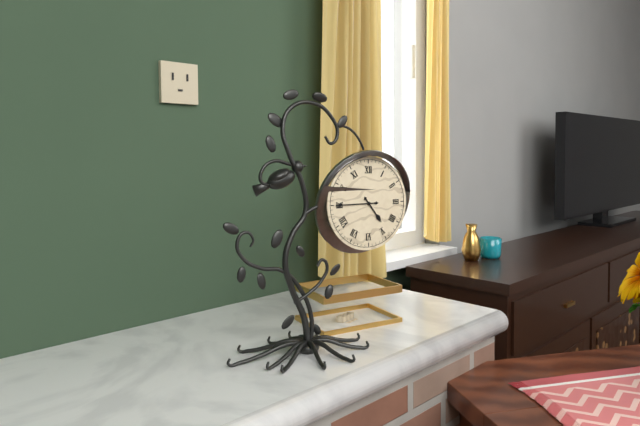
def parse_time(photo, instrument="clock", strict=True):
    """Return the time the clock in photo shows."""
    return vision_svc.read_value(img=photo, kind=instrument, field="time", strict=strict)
4:45
